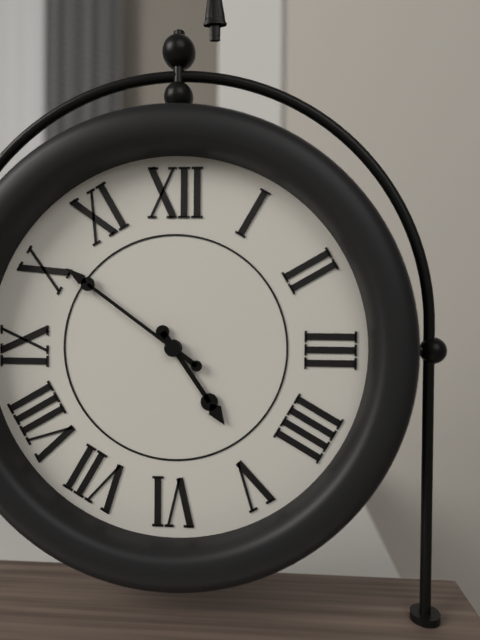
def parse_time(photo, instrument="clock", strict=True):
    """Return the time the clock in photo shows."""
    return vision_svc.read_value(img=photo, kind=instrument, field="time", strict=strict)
4:51
